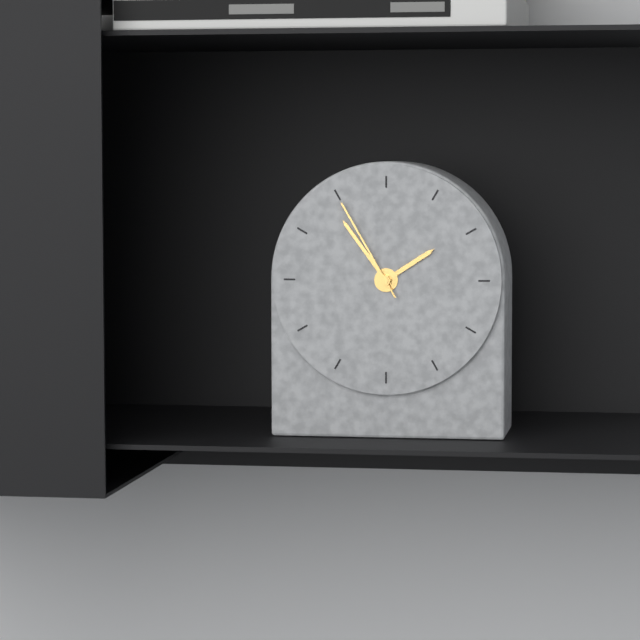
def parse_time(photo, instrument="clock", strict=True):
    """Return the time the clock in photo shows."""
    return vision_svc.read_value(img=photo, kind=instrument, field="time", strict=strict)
1:54:55
